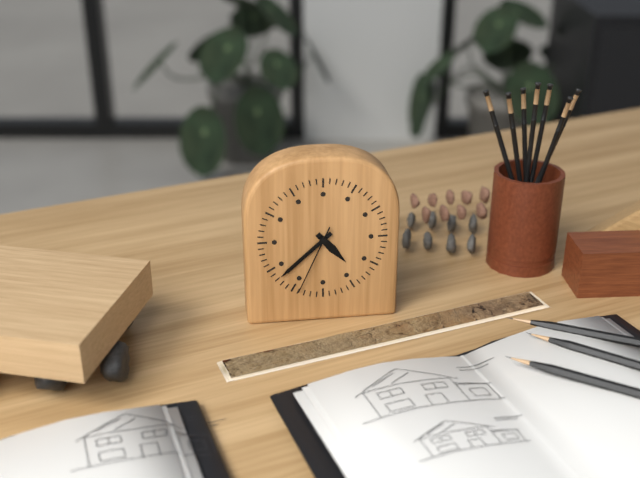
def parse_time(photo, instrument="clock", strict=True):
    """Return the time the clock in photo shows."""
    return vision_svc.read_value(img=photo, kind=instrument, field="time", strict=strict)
4:38:34
